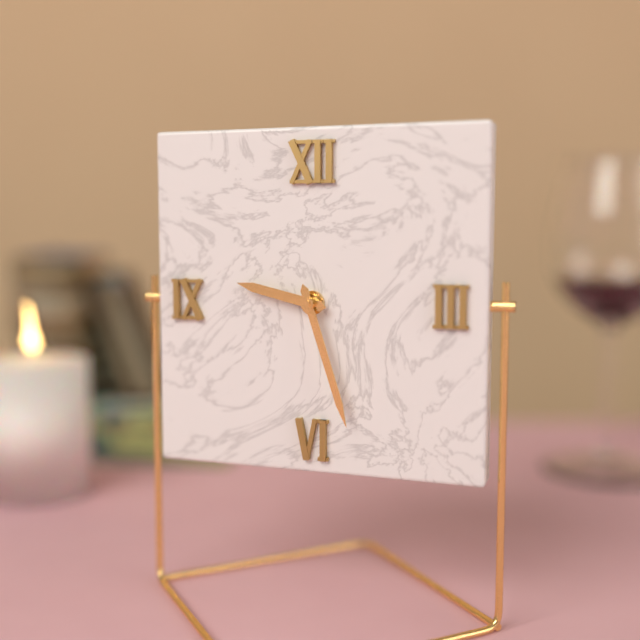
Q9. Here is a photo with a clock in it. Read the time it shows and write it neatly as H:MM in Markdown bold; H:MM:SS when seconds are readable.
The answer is **9:27**
